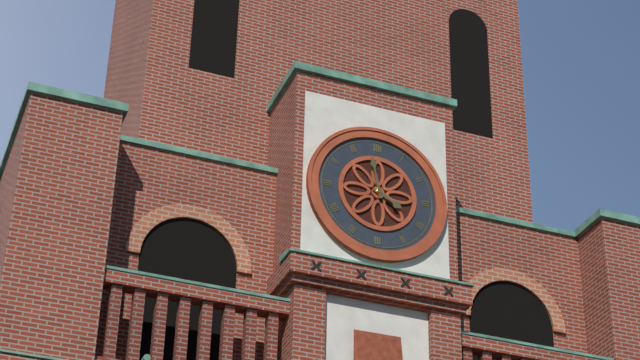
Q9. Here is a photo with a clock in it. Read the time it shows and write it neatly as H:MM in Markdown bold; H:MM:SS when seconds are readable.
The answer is **3:58**
